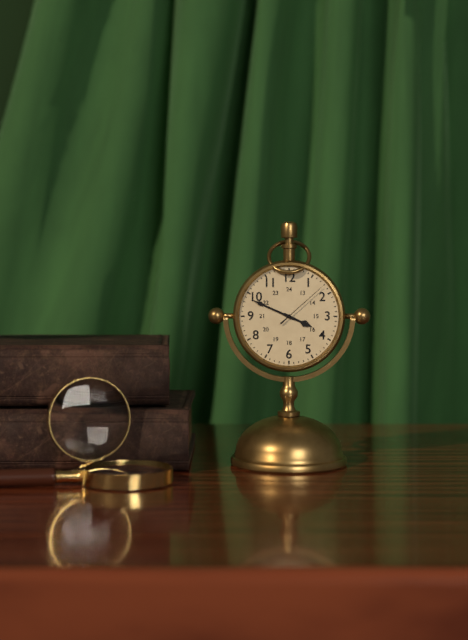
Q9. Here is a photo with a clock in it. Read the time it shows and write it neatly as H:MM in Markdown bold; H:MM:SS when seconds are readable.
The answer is **3:49:08**
